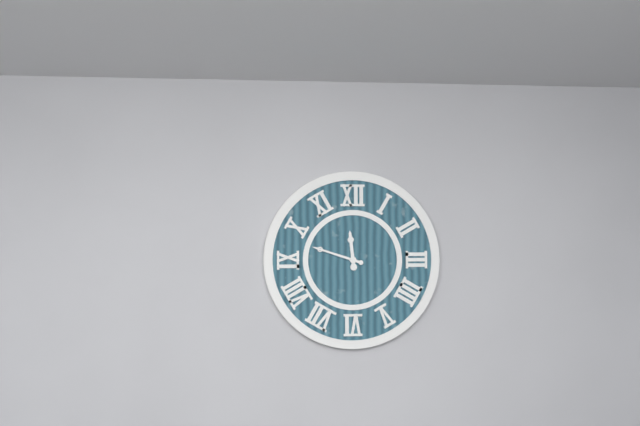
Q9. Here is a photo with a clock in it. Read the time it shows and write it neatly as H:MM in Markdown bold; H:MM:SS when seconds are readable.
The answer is **11:48**
